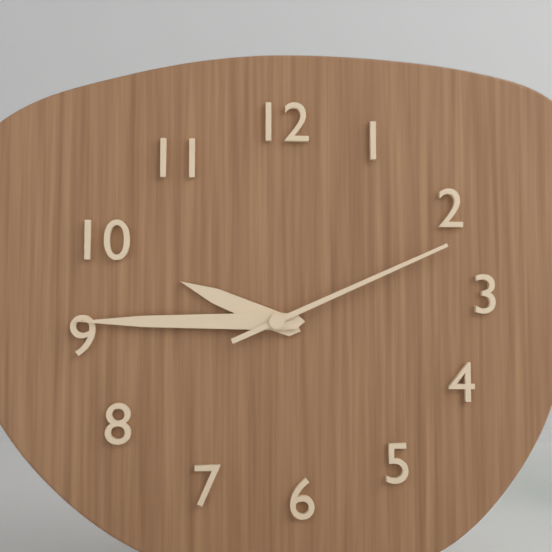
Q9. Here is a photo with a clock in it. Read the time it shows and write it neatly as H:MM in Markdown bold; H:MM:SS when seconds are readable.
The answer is **9:45:11**
